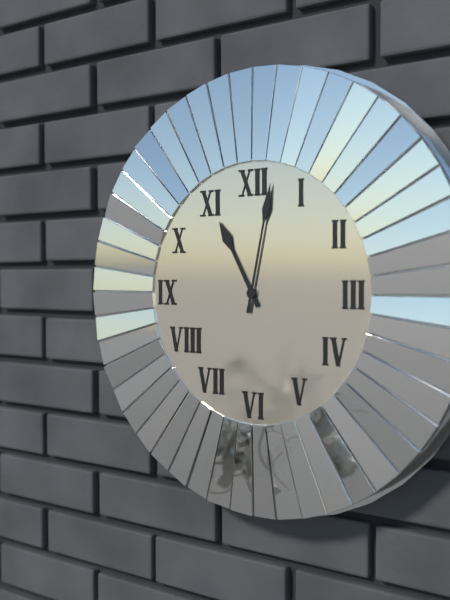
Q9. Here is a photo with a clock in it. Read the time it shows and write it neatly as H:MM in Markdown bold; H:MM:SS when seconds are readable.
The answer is **11:02**
